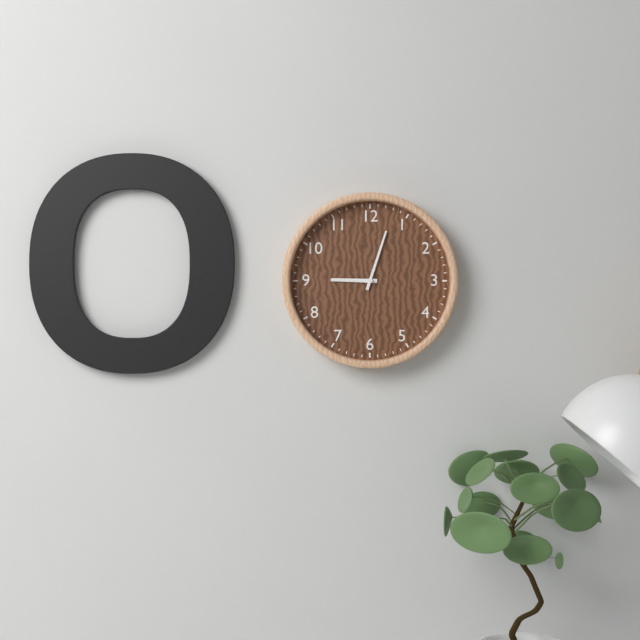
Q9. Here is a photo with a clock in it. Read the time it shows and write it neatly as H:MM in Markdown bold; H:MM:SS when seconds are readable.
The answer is **9:03**
